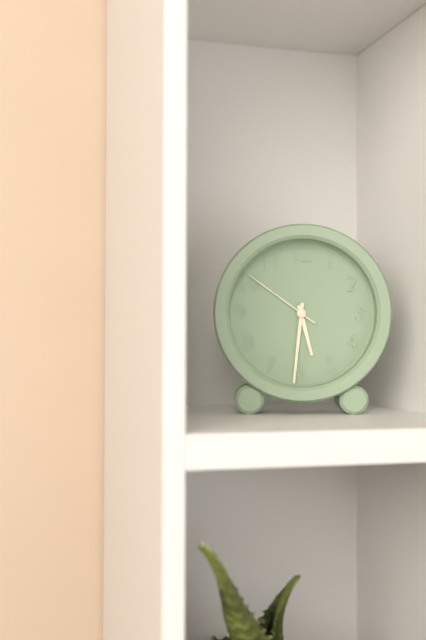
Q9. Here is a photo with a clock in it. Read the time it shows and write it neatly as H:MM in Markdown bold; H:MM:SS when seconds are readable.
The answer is **5:31:51**
